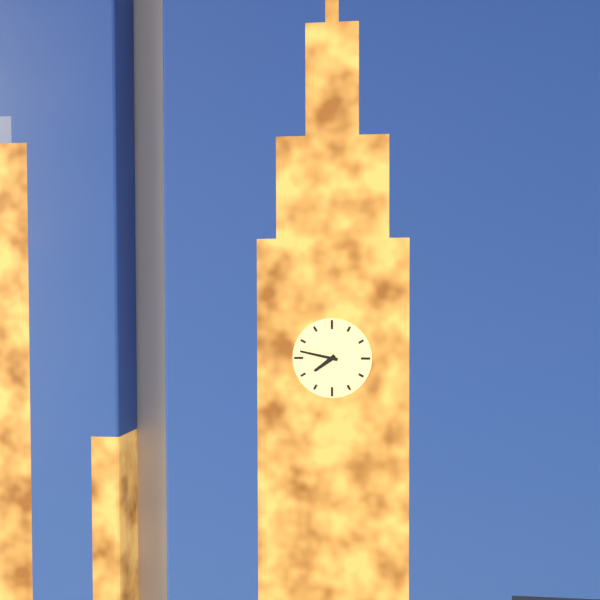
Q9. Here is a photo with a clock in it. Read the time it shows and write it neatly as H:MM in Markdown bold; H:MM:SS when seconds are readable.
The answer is **7:47**
